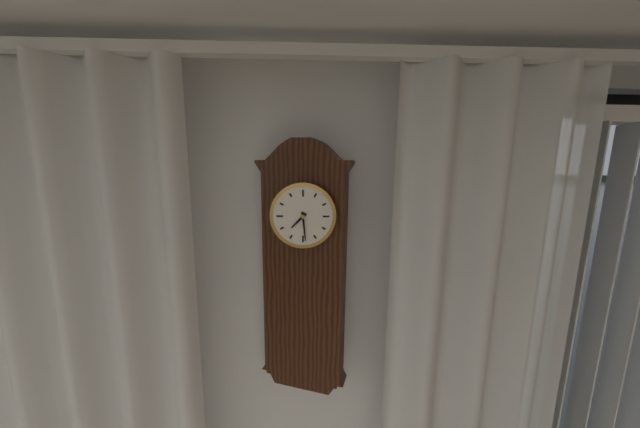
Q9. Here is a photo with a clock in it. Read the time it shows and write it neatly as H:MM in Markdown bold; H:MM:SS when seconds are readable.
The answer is **7:29**
